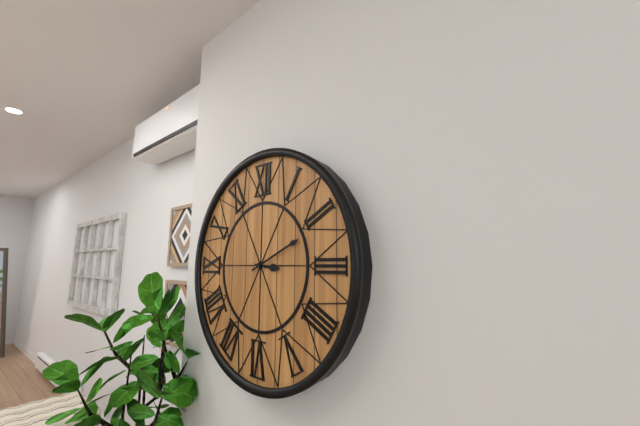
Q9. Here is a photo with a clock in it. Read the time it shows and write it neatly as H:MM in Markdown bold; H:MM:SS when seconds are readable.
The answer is **3:11**
